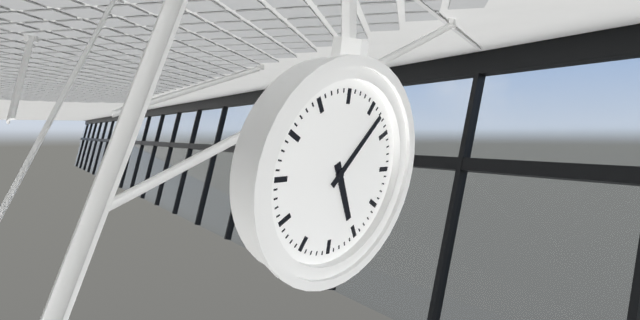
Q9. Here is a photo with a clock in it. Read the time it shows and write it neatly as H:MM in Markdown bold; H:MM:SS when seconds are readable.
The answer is **5:07**
